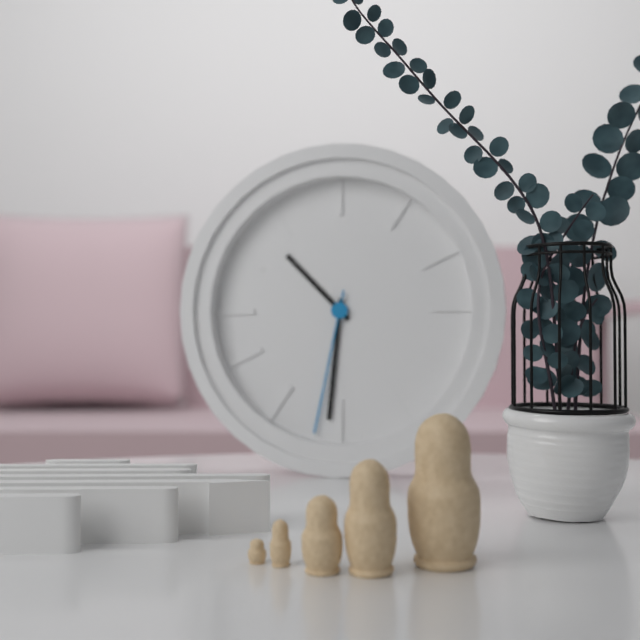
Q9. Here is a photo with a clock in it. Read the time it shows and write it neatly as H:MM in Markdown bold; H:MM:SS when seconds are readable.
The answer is **10:31:32**
